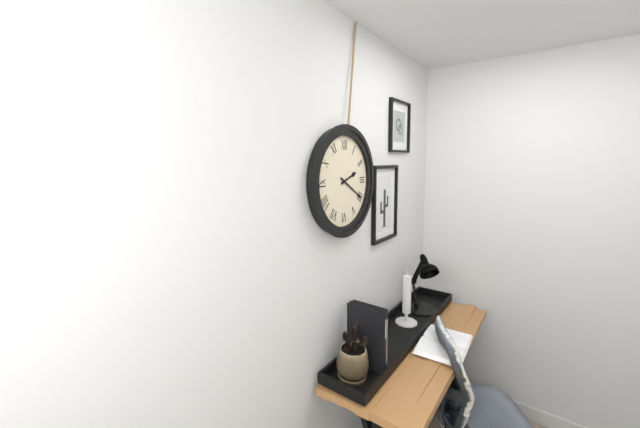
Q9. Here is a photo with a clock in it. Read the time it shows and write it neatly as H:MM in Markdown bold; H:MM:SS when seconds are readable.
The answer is **2:20**
